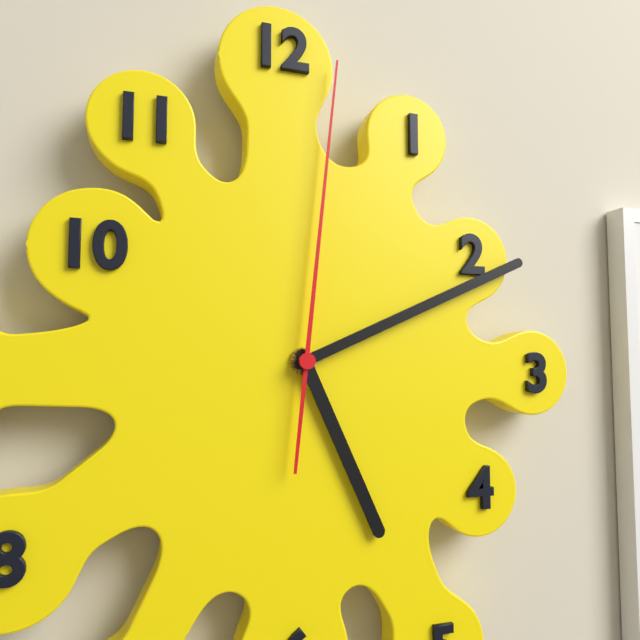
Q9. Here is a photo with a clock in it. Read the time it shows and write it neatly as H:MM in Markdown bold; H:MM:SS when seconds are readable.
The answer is **5:11:01**
